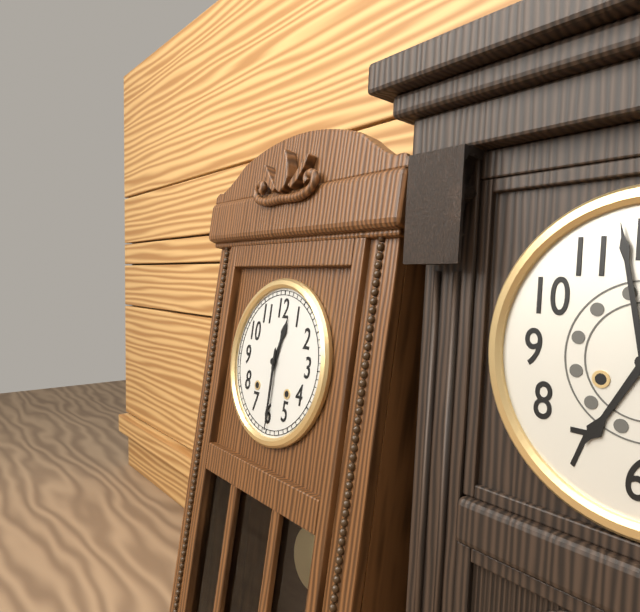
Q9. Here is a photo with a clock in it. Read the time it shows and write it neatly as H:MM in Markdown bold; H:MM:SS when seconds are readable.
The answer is **12:30**
